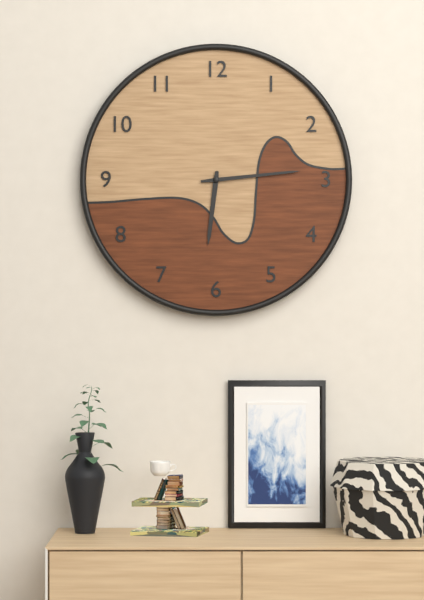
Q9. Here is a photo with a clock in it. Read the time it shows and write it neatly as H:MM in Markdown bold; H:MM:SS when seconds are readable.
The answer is **6:14**
